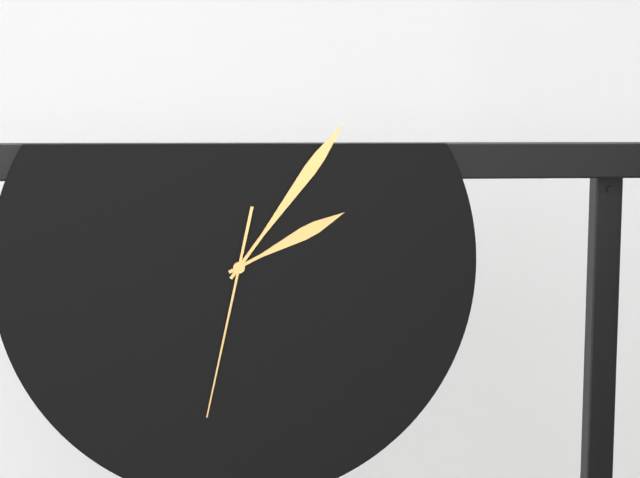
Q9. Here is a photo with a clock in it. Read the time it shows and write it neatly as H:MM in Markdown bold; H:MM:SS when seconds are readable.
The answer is **2:06:32**
